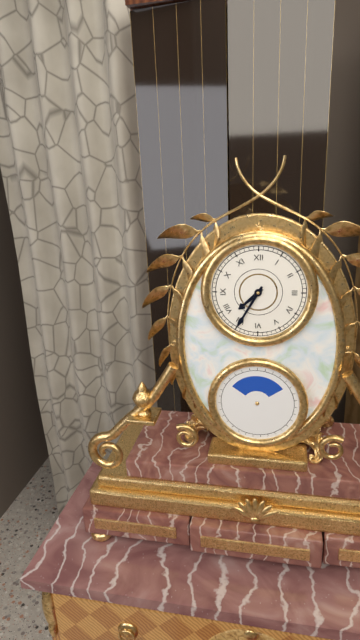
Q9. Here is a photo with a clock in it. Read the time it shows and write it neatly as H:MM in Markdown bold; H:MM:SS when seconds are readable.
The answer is **7:35**
